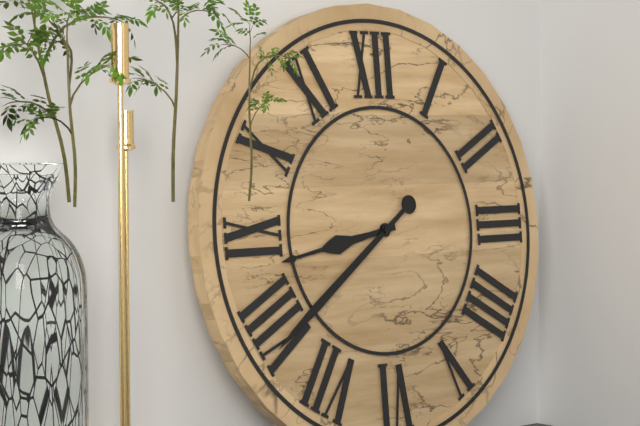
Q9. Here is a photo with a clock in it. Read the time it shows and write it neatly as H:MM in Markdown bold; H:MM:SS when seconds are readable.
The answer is **8:39**
